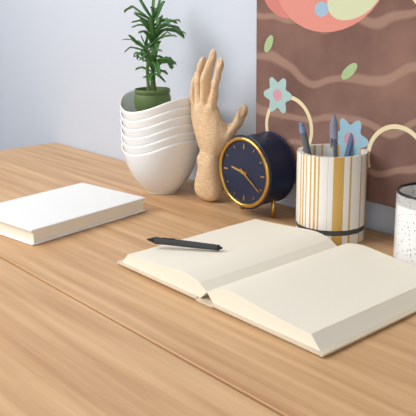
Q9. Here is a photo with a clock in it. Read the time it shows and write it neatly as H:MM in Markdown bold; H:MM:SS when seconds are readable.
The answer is **9:21**
